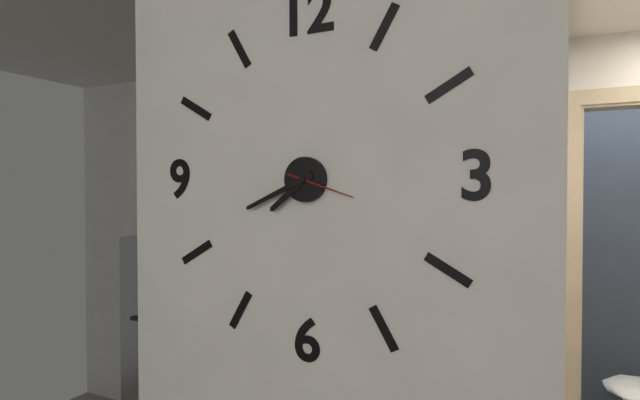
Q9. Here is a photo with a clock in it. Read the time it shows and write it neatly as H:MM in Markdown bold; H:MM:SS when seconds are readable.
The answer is **7:41:18**
